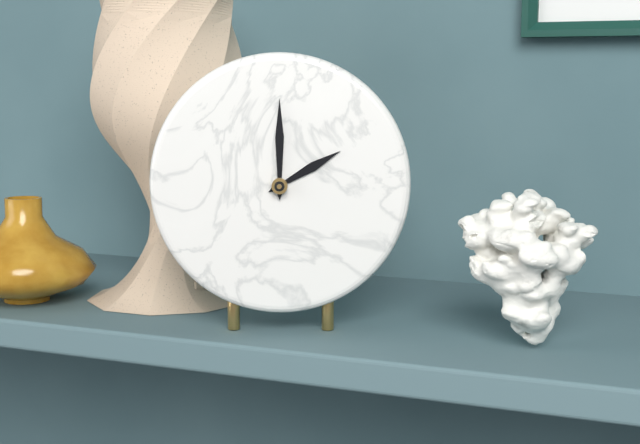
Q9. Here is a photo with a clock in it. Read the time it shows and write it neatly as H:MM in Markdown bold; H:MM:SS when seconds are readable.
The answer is **2:00**
